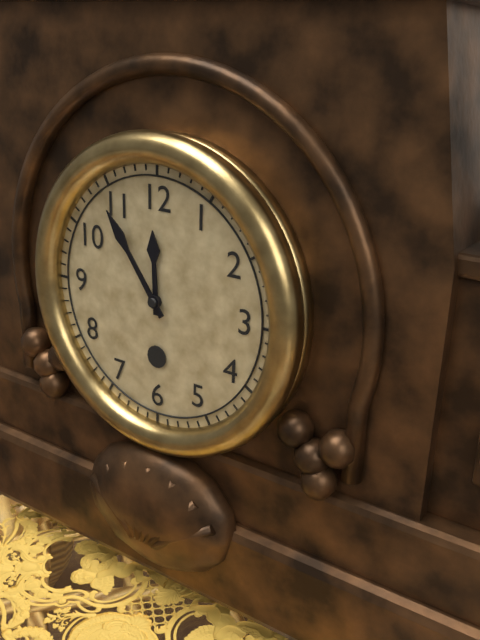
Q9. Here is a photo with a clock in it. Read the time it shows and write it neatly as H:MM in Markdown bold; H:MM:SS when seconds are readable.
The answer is **11:54**
